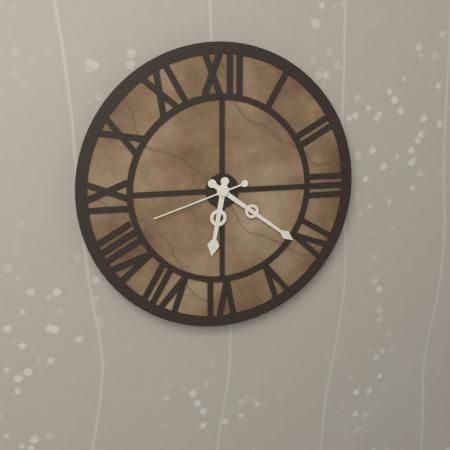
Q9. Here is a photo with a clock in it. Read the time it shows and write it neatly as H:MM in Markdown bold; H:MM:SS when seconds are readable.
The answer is **6:21:42**
